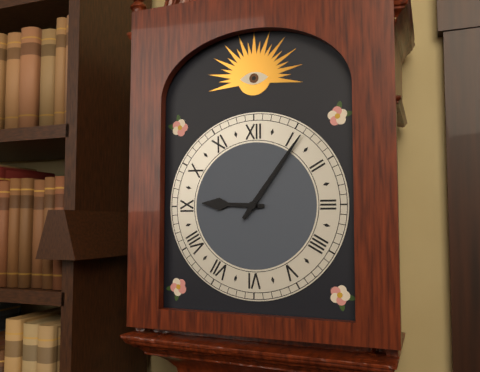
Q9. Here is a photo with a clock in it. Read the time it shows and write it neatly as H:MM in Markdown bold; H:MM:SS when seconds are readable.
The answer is **9:06**
